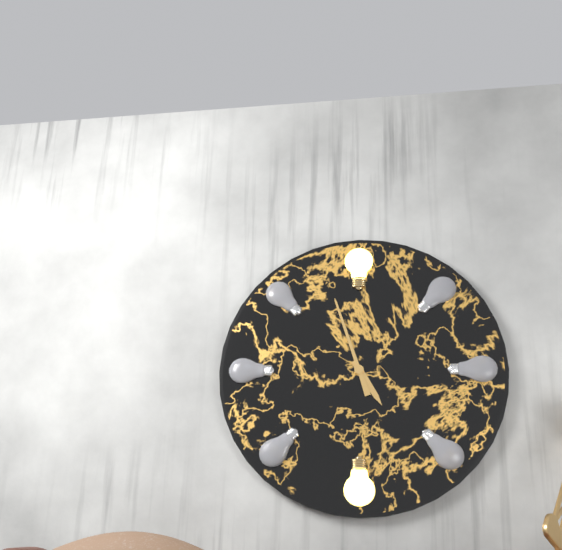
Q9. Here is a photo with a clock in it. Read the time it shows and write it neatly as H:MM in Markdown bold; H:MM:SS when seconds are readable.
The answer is **4:57**
